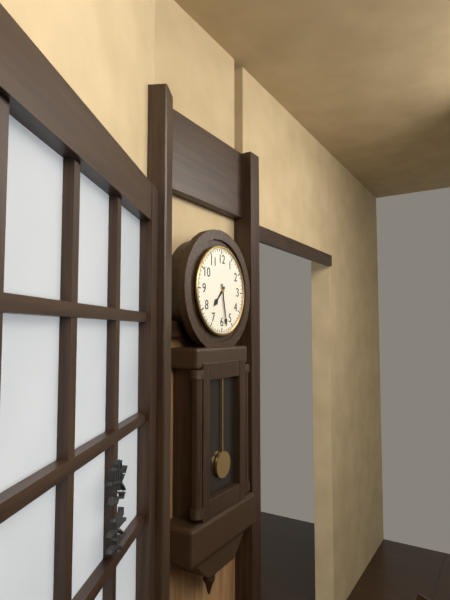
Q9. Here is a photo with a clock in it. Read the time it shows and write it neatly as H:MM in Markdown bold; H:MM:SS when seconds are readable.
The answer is **7:28**
